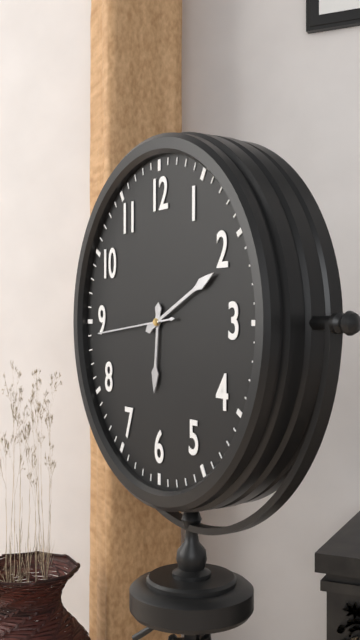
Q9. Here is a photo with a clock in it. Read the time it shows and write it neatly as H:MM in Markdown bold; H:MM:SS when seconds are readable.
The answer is **6:11:44**
